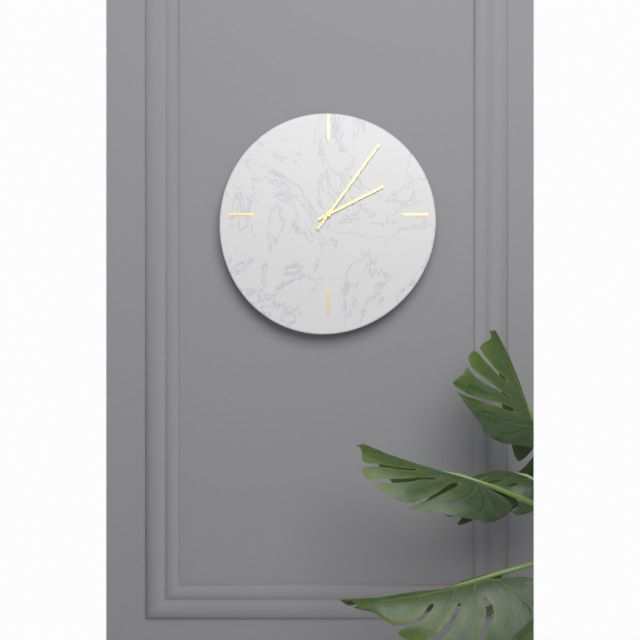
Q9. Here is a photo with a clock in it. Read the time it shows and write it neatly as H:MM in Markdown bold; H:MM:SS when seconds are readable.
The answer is **2:06**
